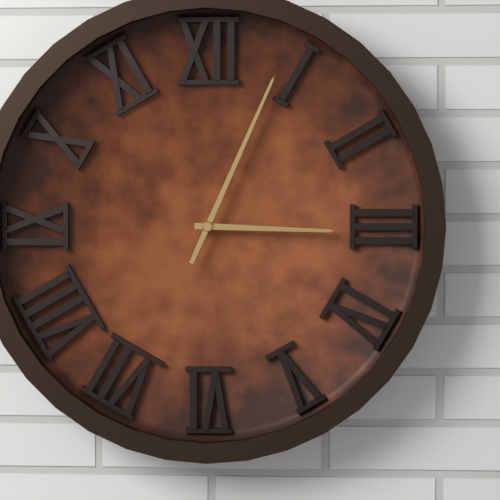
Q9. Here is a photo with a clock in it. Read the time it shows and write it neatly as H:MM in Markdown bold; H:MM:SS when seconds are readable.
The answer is **3:04**
